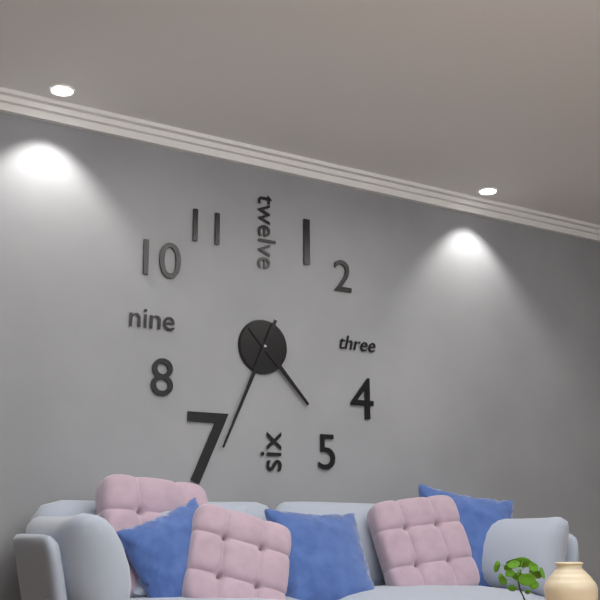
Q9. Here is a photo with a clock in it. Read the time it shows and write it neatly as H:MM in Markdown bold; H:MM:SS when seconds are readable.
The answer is **4:34**
